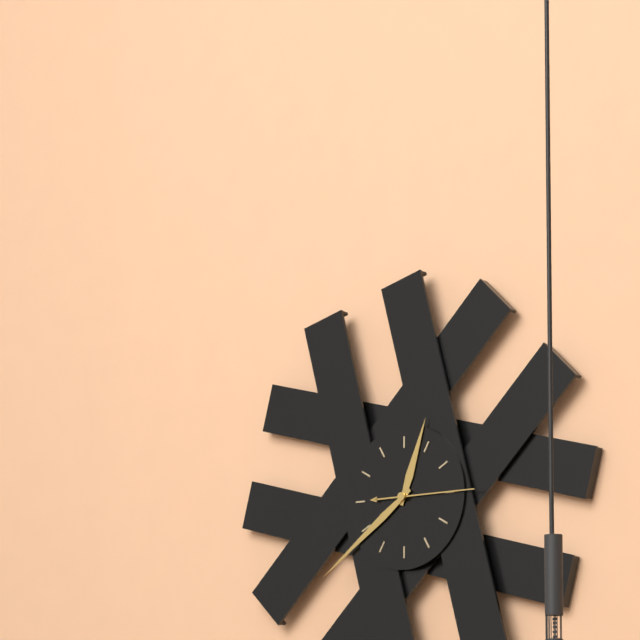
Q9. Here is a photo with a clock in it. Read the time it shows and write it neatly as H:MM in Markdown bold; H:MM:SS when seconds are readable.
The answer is **12:39:15**
